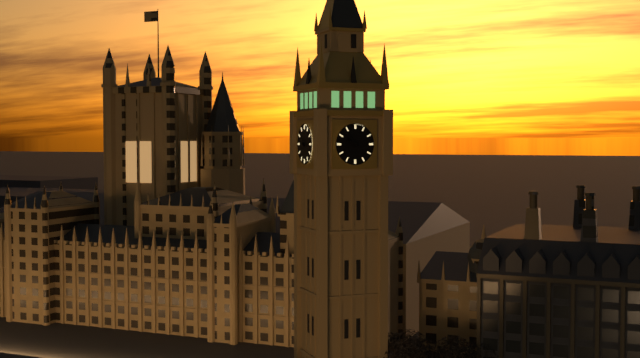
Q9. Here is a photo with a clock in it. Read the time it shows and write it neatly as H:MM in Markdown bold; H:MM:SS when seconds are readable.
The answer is **9:53**
